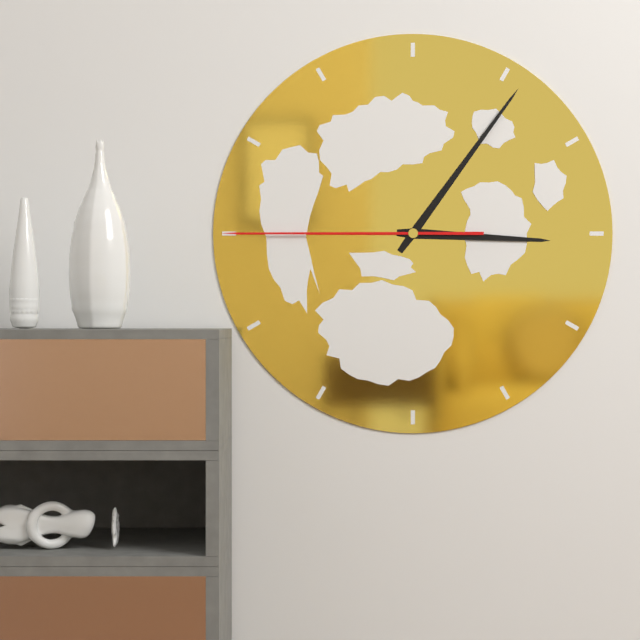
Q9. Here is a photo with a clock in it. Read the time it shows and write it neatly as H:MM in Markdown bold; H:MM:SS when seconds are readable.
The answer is **3:06:45**
